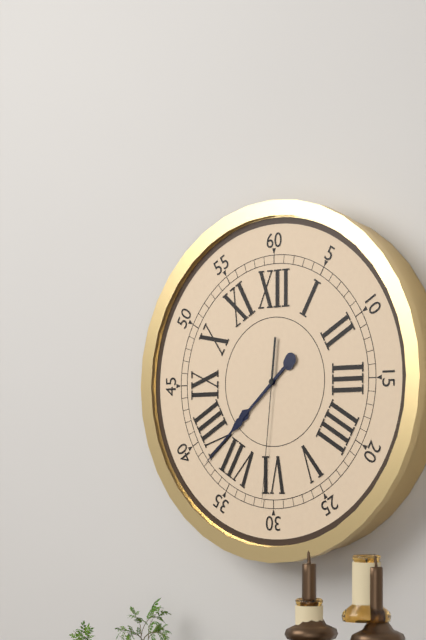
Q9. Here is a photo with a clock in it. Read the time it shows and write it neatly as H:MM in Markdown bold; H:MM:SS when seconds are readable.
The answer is **7:38:31**
